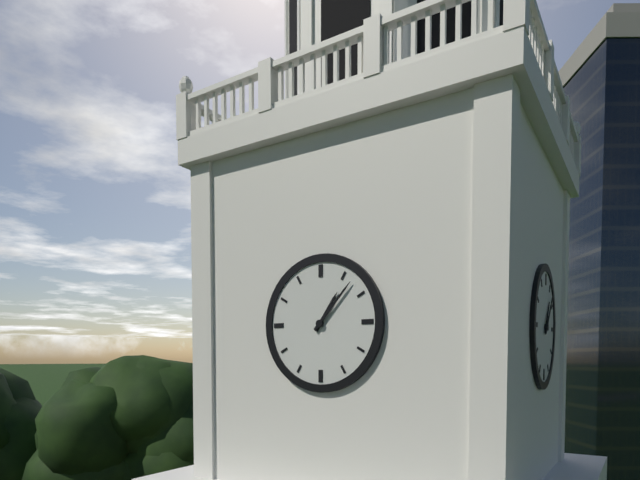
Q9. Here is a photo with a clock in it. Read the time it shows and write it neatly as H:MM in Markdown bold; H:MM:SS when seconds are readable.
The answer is **1:07**
